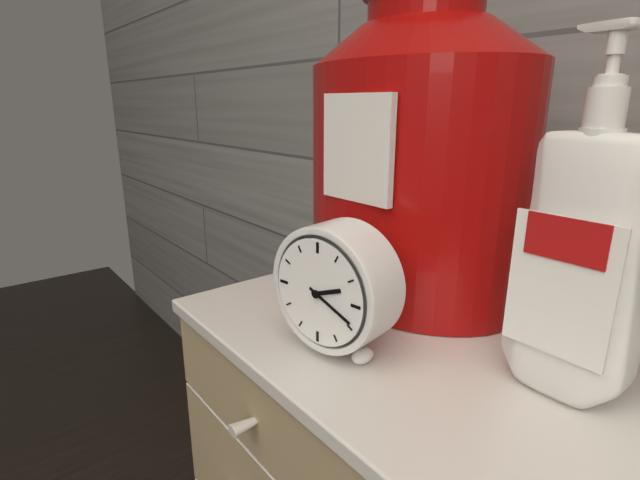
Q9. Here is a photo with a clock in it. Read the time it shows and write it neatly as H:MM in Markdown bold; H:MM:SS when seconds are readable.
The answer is **2:19**
